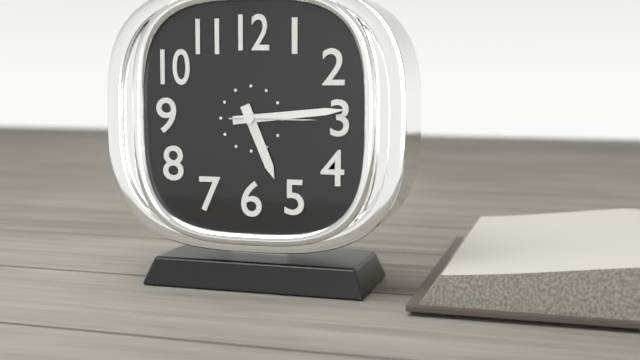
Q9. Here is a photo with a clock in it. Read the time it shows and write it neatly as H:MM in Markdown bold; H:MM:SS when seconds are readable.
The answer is **5:14:15**
